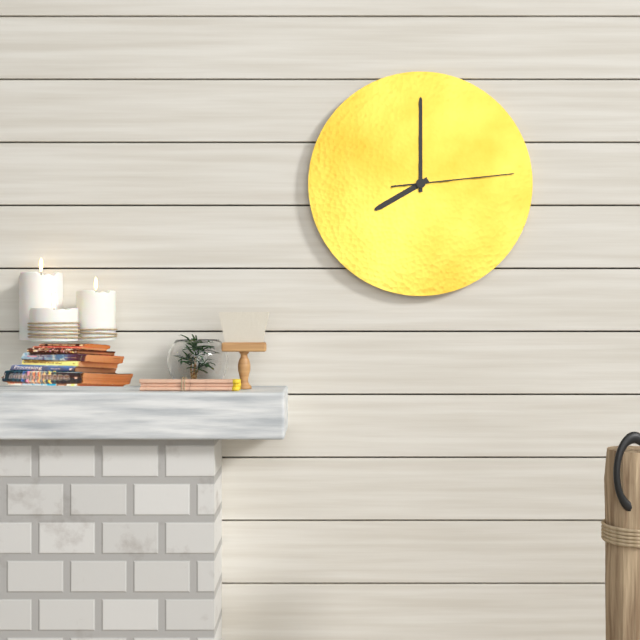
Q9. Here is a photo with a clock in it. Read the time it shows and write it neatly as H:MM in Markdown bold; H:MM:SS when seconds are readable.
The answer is **8:00:14**
